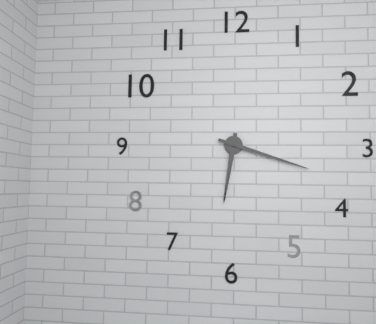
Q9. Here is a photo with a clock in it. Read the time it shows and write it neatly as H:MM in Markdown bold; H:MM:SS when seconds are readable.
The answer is **6:18**
